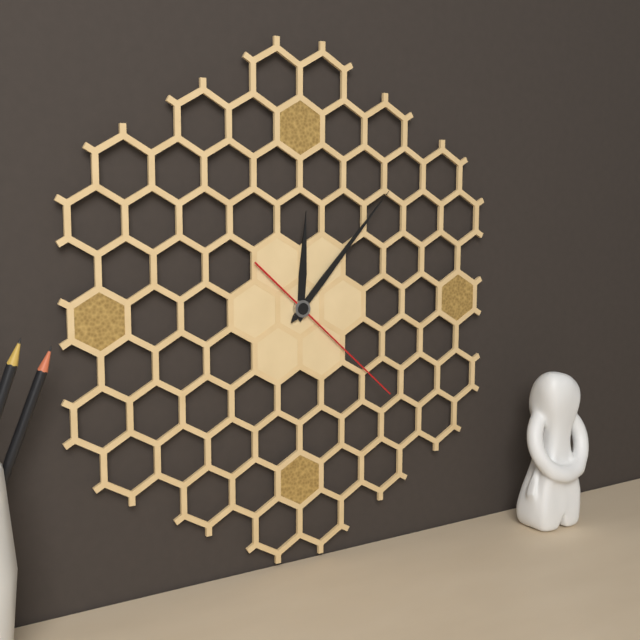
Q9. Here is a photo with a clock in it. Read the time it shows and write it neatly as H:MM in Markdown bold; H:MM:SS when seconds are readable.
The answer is **12:07:22**
